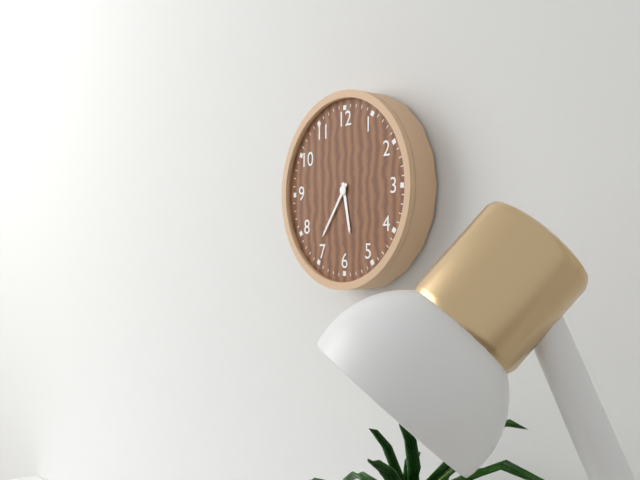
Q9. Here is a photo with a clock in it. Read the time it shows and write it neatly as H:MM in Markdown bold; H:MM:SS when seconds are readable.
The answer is **5:36**
